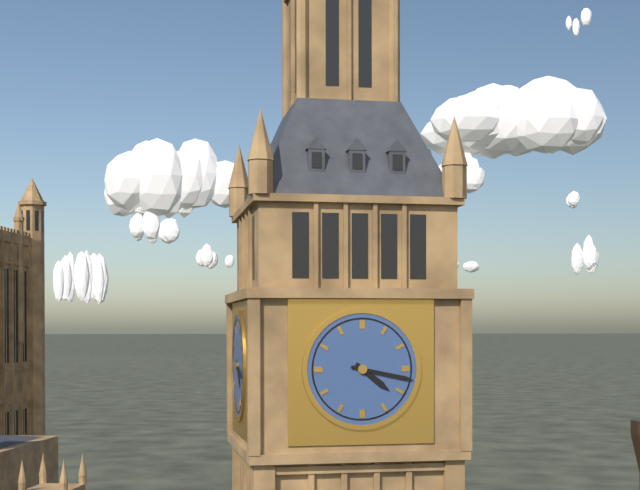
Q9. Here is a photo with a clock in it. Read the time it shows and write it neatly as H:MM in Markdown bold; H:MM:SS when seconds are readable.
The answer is **4:17**
